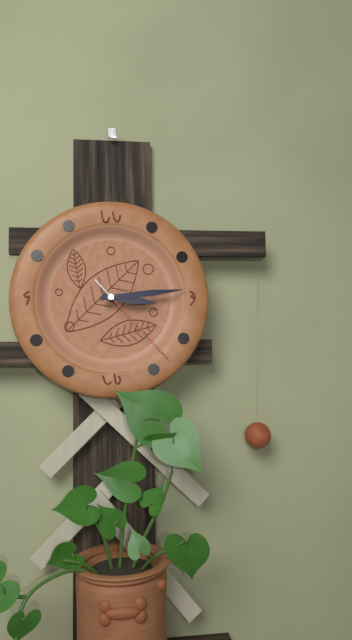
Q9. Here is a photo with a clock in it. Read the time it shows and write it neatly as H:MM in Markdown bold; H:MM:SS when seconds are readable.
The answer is **3:14:23**
